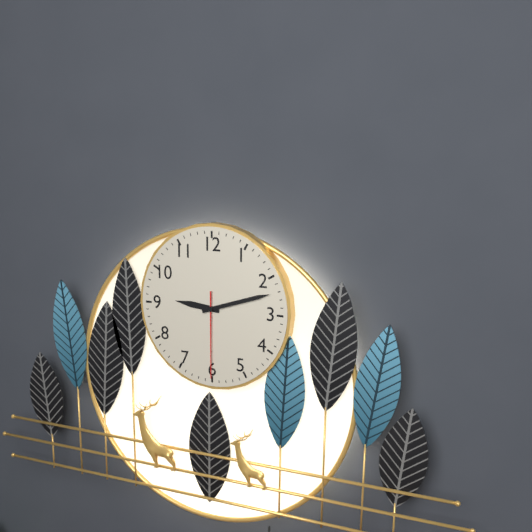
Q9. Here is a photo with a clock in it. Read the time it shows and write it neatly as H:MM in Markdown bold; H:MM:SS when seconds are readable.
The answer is **9:12:30**
